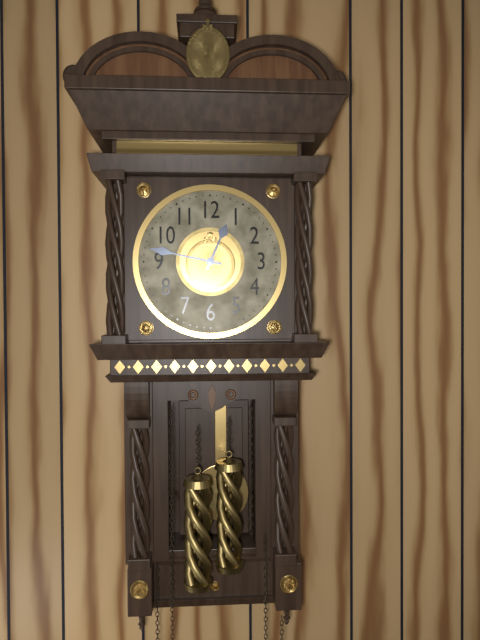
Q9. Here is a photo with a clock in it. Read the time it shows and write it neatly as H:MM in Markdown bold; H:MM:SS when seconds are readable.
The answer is **12:47**
